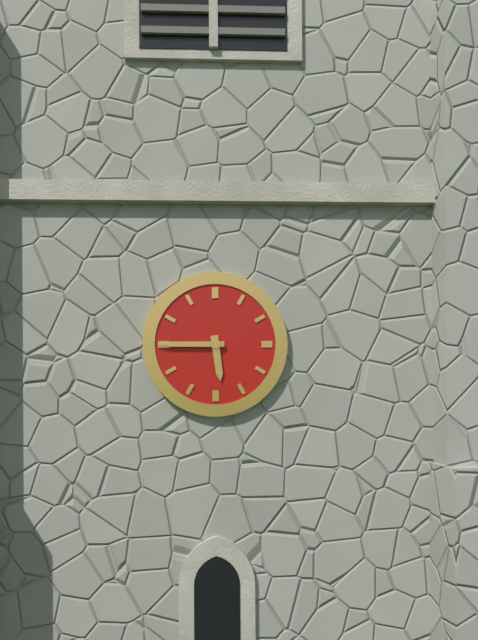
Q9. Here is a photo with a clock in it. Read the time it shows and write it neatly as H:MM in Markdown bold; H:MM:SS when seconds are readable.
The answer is **5:45**
